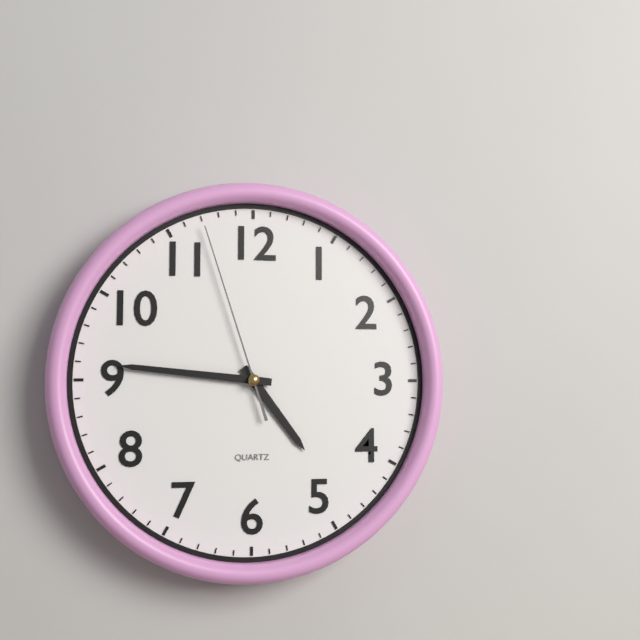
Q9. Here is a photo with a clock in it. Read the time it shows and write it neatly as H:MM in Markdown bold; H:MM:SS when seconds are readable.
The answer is **4:46:57**
